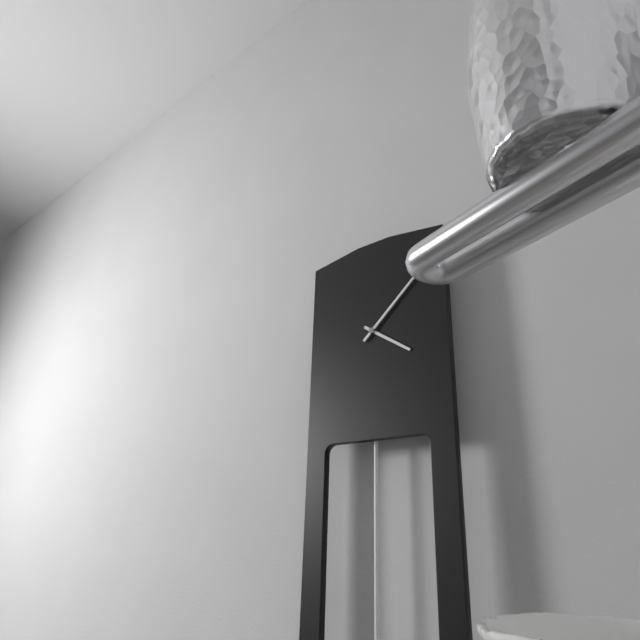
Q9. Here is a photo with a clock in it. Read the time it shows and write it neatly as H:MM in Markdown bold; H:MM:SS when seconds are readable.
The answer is **4:08**
